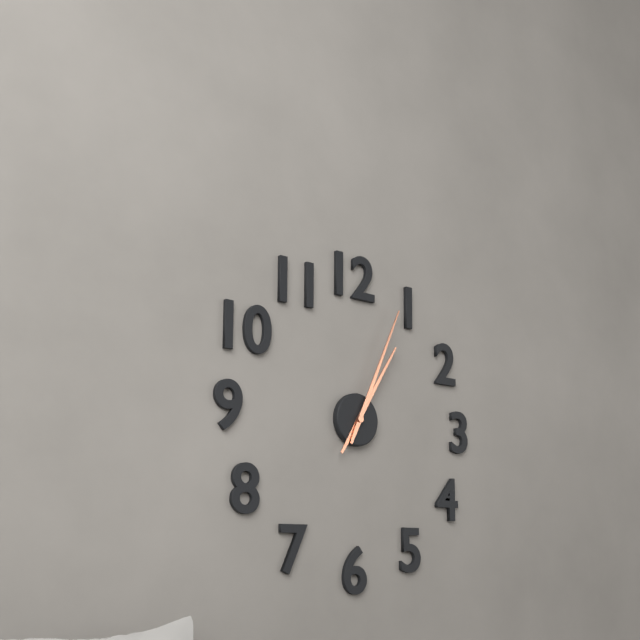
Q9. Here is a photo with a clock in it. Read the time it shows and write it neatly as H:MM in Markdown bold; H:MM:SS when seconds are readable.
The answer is **1:04**
